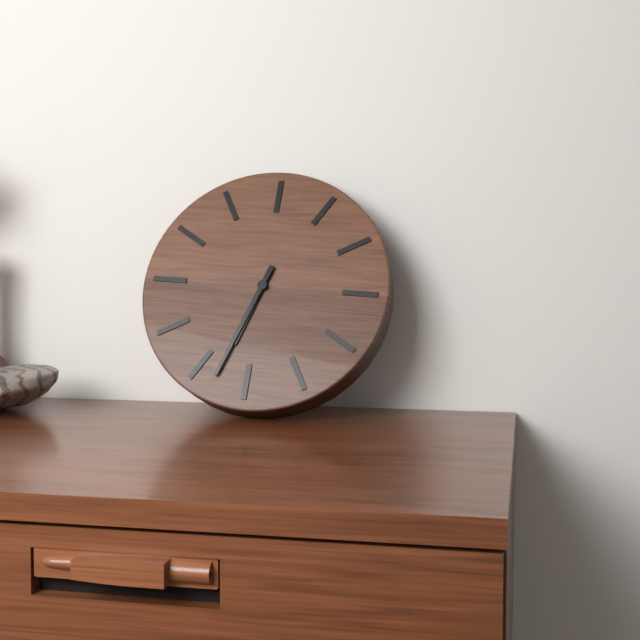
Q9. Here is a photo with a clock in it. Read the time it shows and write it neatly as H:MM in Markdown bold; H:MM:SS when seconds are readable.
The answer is **6:33**
